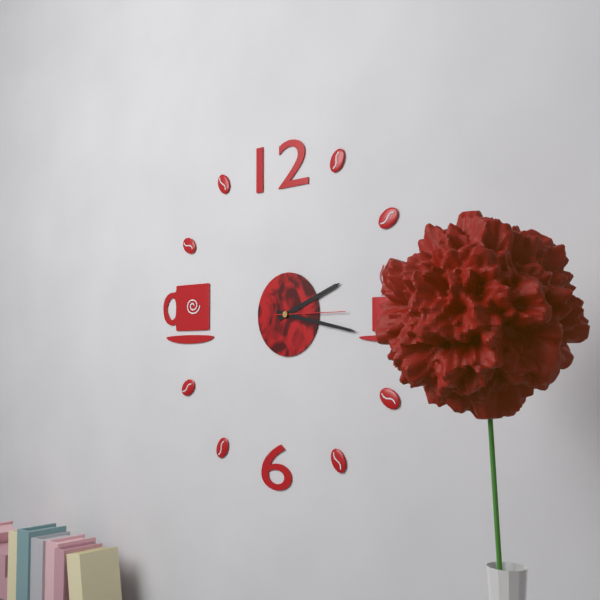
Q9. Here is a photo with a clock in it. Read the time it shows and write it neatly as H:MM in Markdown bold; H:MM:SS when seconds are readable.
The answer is **2:17:15**
